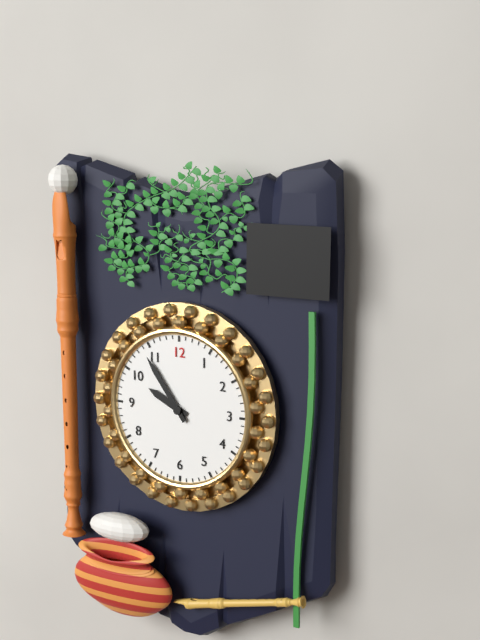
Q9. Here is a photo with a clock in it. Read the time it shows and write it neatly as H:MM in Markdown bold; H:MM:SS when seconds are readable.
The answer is **9:54**
